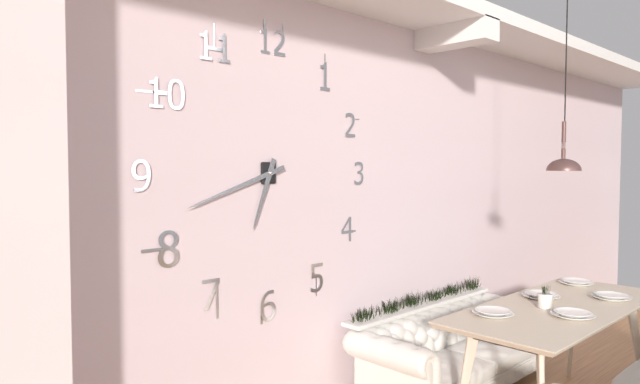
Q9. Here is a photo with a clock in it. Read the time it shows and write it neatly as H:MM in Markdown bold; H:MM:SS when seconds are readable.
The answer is **6:42**
